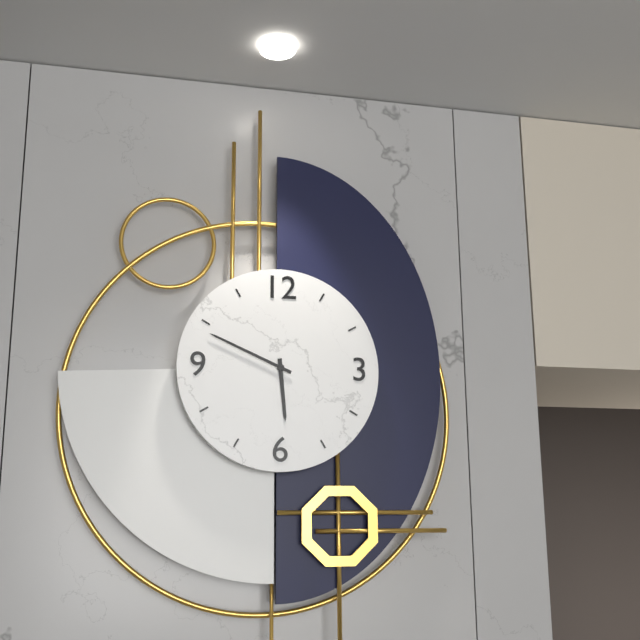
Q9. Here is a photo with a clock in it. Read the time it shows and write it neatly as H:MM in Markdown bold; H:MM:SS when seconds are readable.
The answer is **5:49**
